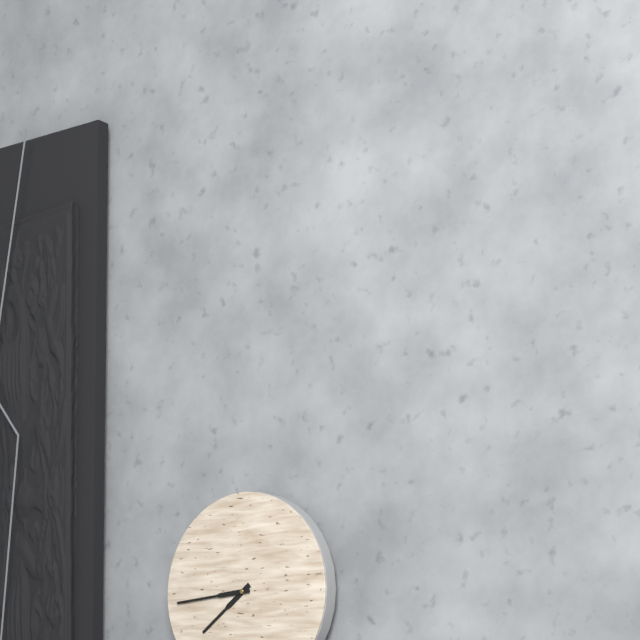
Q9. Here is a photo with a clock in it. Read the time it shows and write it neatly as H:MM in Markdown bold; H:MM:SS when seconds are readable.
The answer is **7:44**
